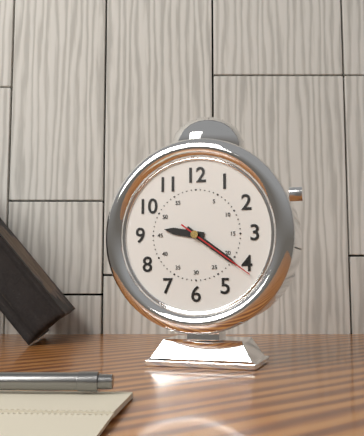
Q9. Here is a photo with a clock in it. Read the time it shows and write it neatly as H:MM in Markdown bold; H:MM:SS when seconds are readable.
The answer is **9:21:21**
